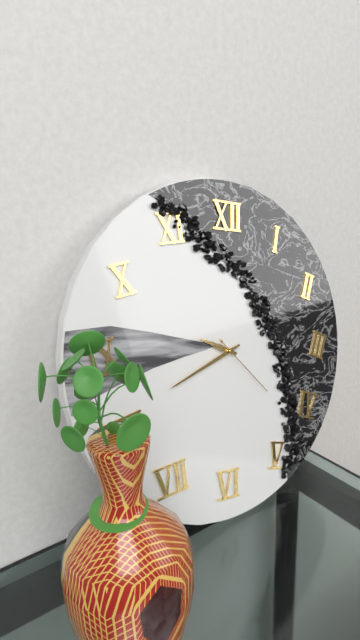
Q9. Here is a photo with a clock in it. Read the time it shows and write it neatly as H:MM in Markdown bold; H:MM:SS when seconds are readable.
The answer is **9:41:22**
